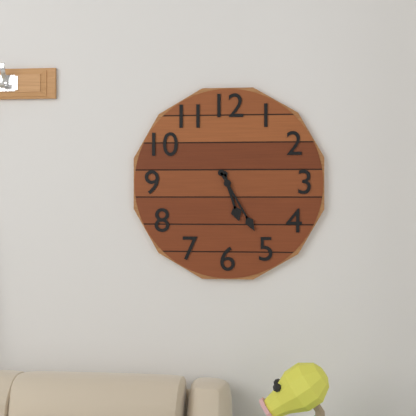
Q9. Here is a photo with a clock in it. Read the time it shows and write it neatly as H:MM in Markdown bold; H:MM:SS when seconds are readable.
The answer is **5:25**
